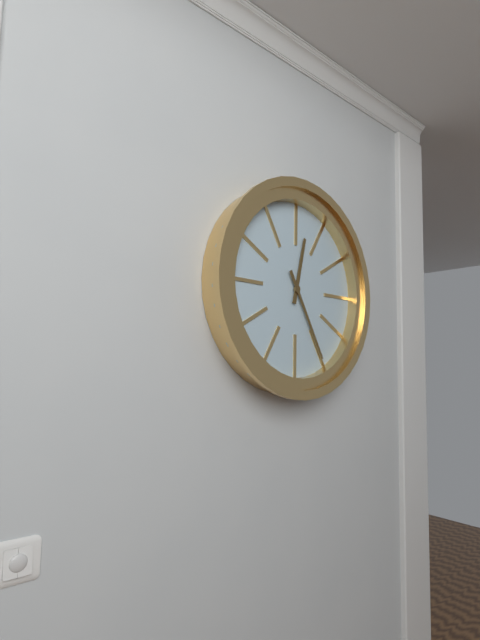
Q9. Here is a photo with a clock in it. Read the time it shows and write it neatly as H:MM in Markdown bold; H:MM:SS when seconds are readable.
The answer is **12:25**
